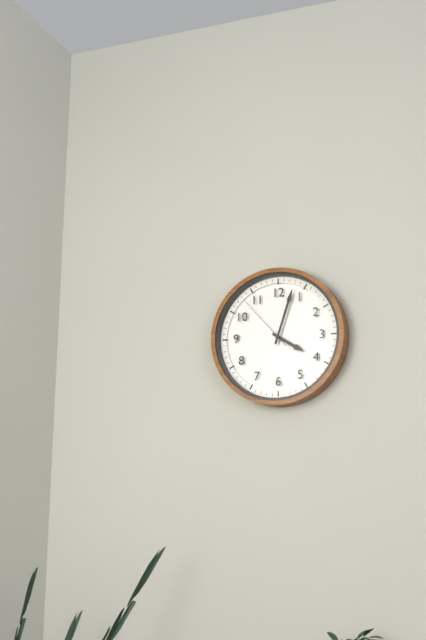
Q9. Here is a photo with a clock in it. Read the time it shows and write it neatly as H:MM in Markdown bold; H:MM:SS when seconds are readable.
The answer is **4:03:53**
